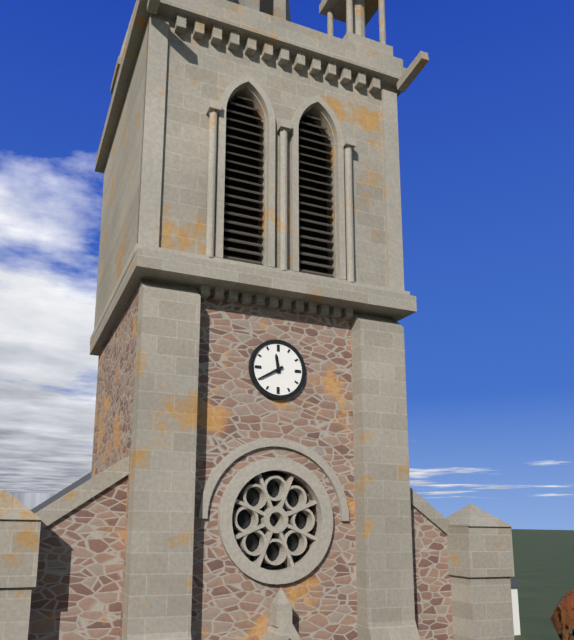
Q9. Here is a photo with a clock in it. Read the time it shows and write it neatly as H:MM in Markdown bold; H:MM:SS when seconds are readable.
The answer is **11:40**
